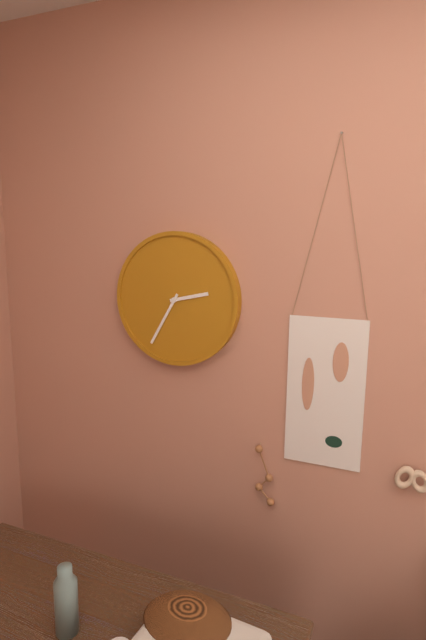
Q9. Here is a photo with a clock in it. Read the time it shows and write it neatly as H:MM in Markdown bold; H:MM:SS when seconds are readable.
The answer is **2:35**
